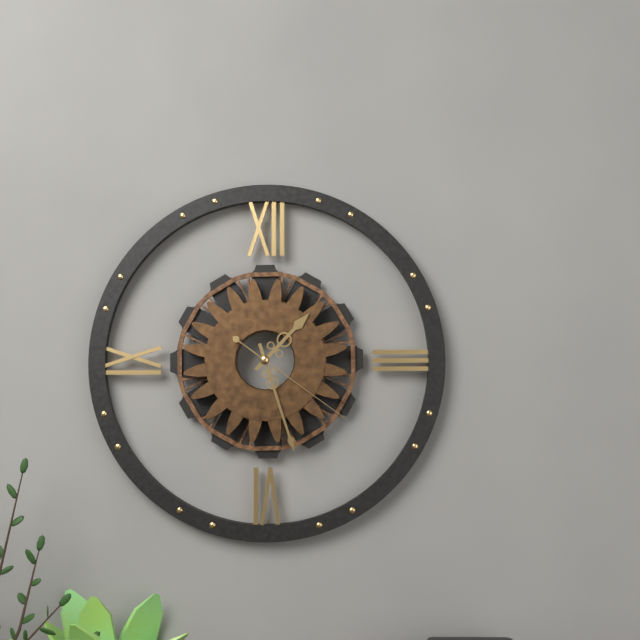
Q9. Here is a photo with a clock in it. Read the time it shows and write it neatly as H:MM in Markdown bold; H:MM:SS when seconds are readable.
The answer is **1:27:21**
